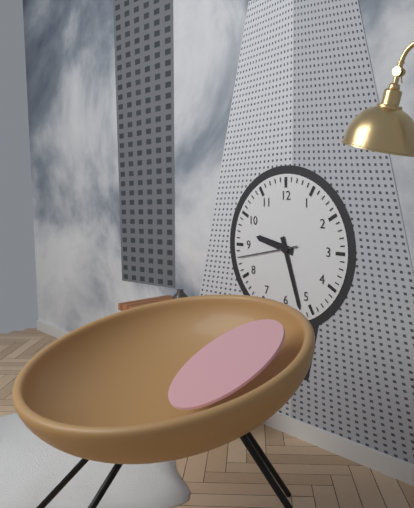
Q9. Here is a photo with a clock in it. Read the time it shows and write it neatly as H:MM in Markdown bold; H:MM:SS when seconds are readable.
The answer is **9:27:43**
